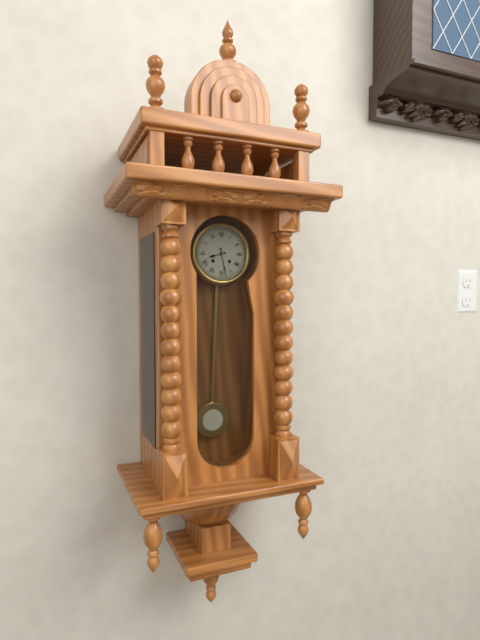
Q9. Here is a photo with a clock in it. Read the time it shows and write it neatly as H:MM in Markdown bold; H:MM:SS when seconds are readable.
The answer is **8:28**
